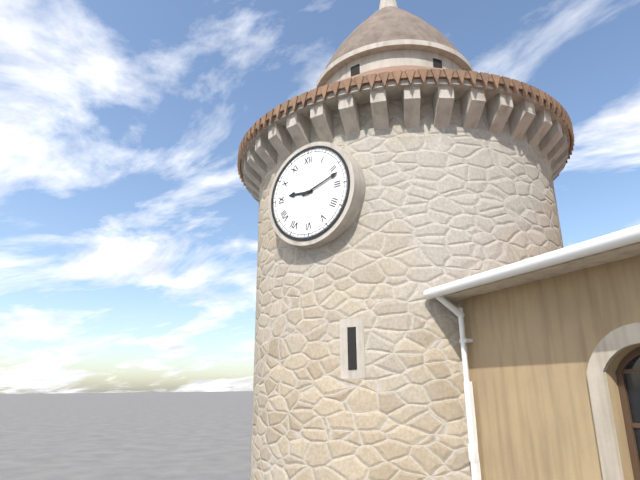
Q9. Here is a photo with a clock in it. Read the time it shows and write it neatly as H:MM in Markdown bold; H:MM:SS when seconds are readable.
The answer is **9:12**
